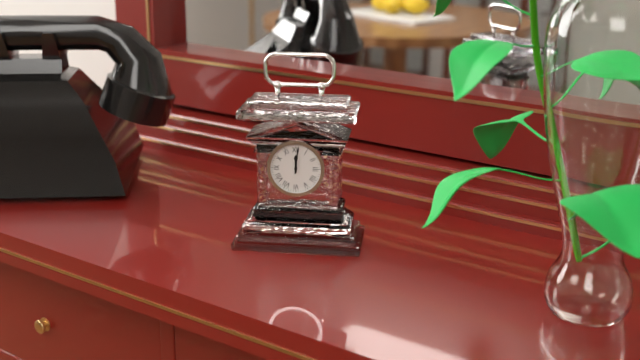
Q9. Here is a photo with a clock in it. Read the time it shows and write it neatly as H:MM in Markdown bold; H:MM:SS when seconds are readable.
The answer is **12:01**
